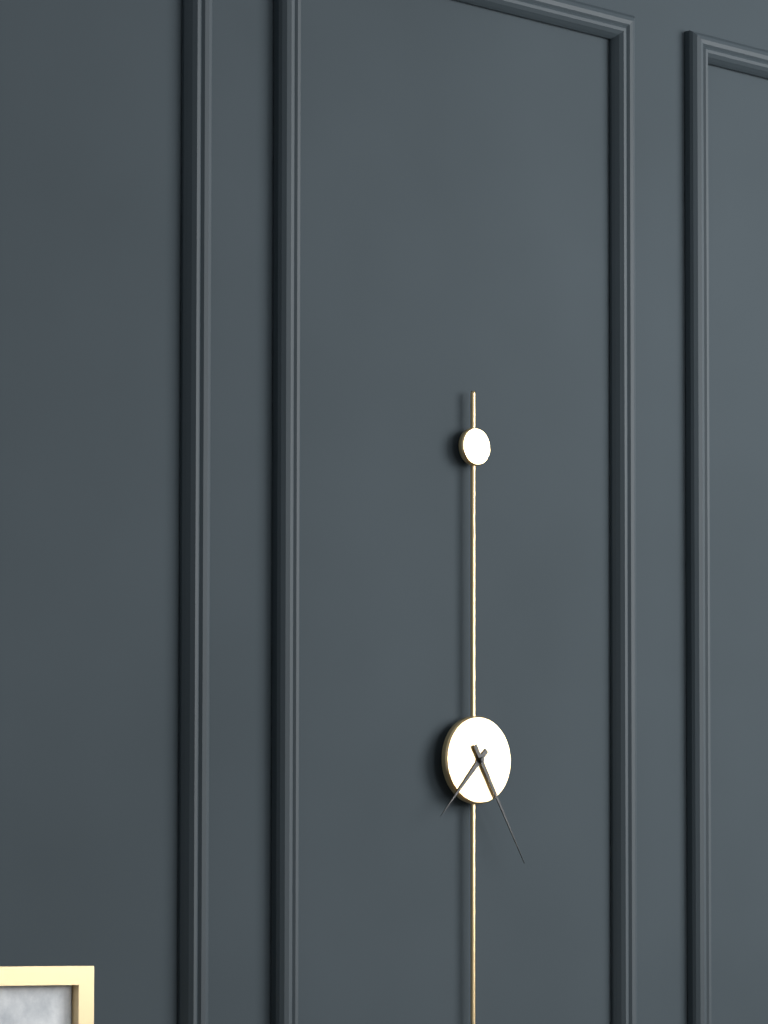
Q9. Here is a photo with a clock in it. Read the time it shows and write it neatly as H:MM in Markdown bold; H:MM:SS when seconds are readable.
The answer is **7:25**
